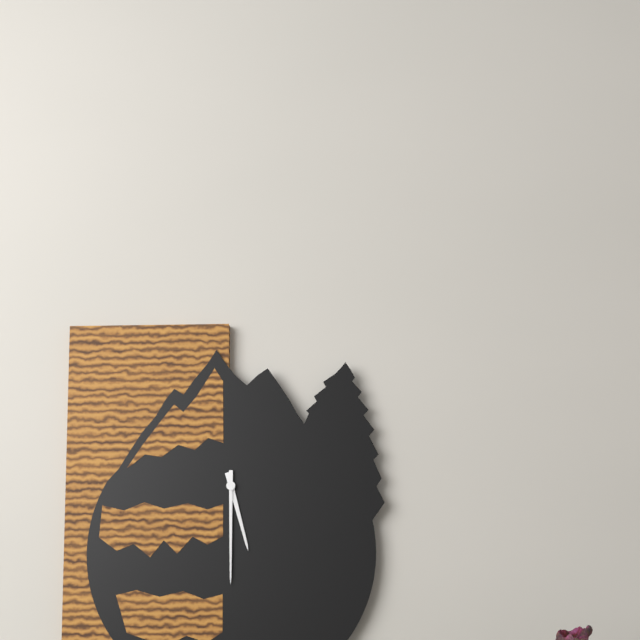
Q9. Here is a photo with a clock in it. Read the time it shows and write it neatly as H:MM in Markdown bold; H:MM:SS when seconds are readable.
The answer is **5:30**
